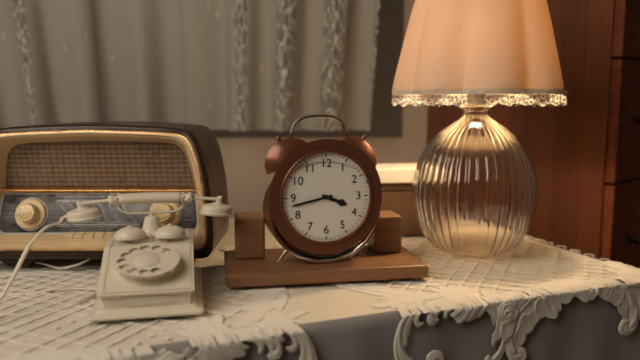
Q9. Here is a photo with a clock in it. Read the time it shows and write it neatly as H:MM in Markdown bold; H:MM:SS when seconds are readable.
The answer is **3:43**
